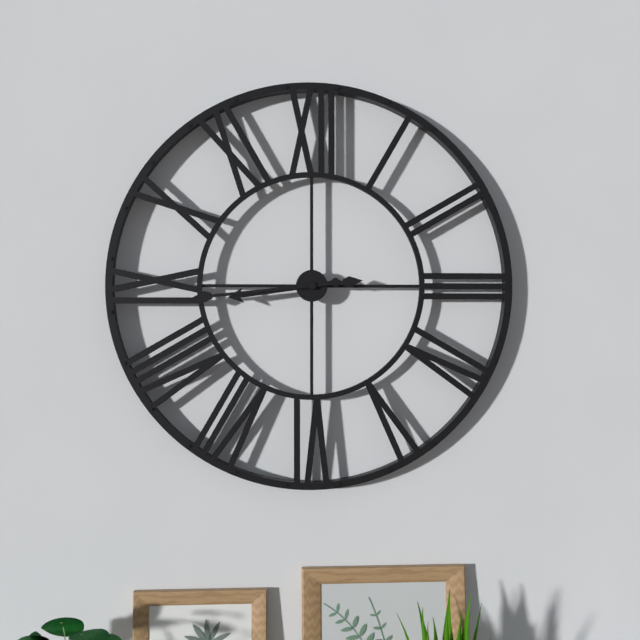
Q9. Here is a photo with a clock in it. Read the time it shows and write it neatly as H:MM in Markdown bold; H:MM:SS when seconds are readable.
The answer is **8:44**
